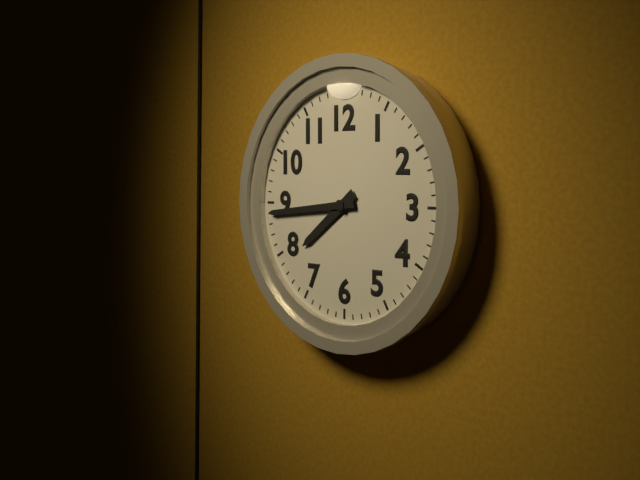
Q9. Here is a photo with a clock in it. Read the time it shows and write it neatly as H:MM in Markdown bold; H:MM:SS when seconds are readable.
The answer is **7:44**
